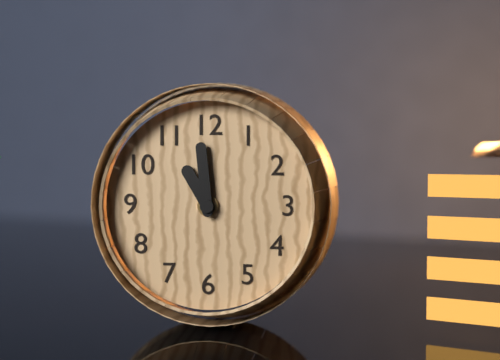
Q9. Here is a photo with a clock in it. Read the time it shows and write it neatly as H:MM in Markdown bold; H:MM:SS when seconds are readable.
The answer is **10:59**
